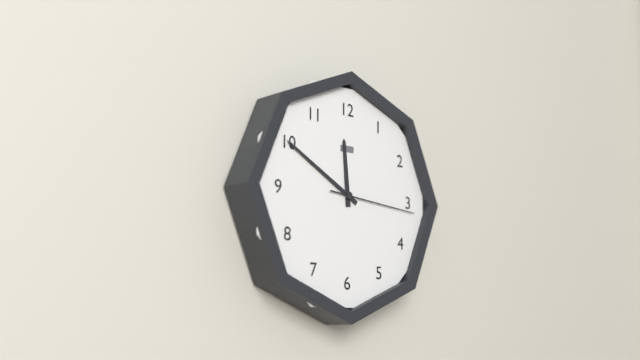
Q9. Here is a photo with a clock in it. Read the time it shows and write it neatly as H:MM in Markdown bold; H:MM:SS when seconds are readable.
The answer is **11:50:16**
